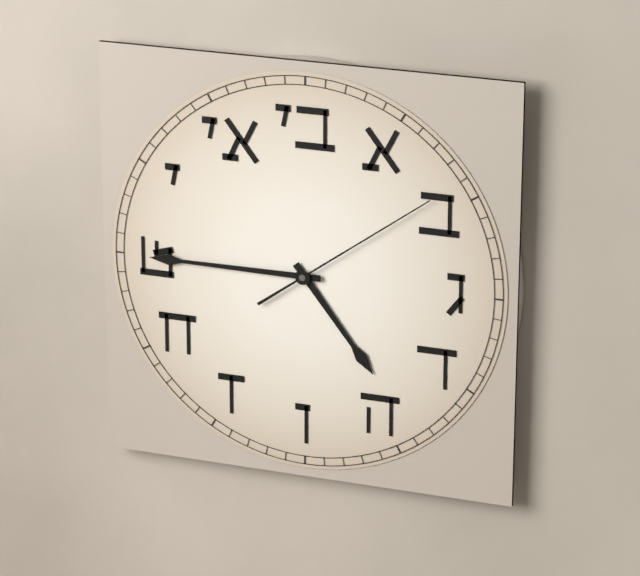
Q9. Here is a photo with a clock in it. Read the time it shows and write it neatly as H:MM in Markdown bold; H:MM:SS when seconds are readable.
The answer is **4:45:09**
